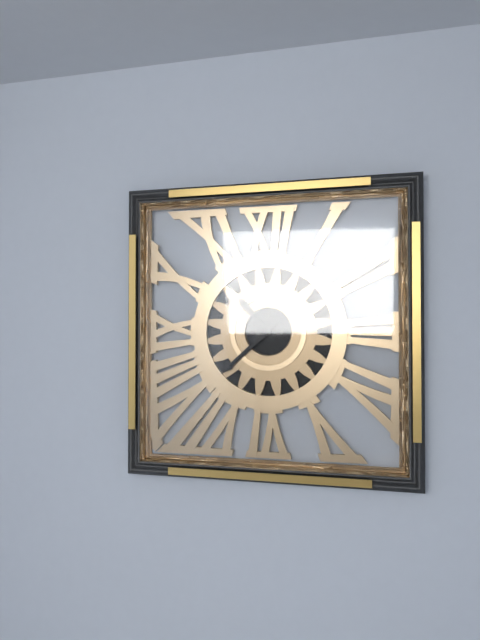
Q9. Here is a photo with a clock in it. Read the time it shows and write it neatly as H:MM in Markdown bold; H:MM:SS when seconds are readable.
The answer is **10:38**
